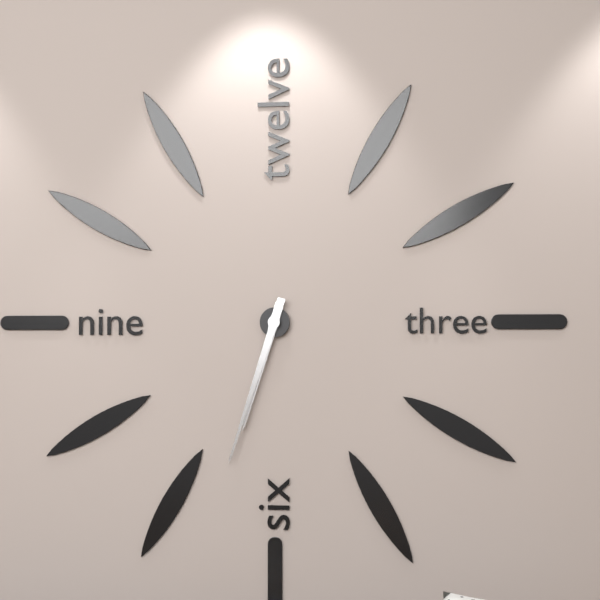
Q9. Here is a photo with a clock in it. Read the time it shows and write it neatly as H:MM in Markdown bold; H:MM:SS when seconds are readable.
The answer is **6:33**
